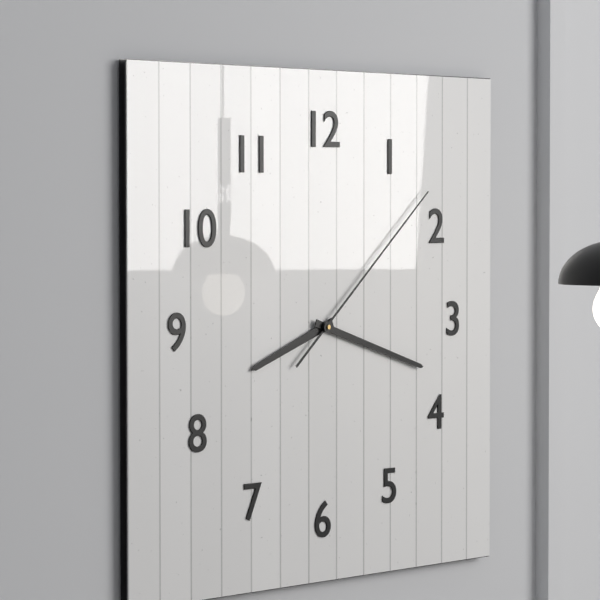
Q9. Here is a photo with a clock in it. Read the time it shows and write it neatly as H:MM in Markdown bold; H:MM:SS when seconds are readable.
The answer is **8:18:08**
